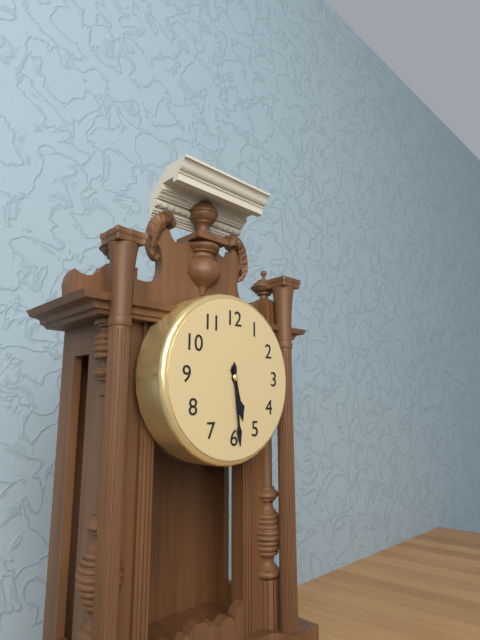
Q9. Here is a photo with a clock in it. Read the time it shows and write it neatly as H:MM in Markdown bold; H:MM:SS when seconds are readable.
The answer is **5:29**
